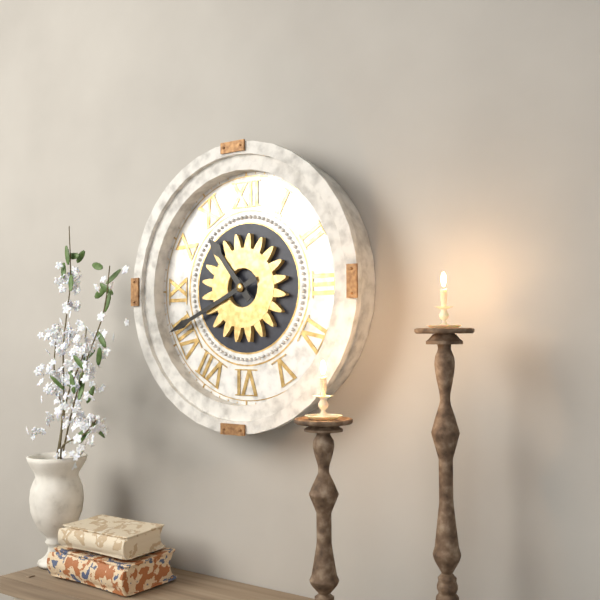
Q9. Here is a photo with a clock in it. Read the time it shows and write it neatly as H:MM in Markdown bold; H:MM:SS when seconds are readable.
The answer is **10:41**
